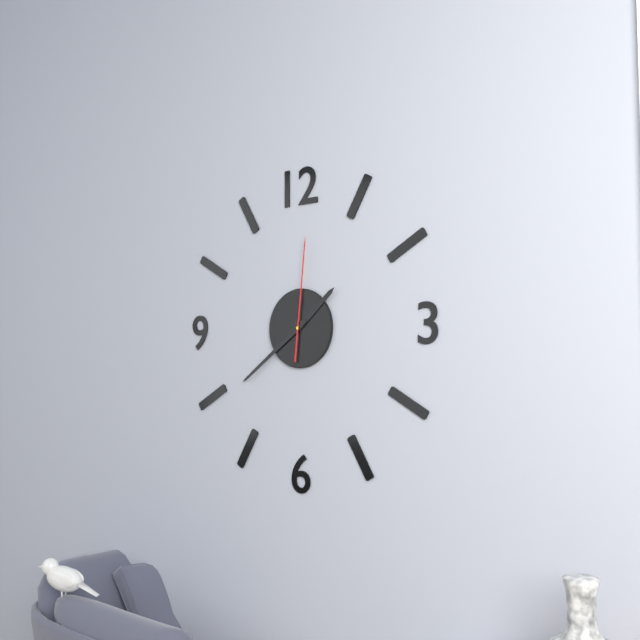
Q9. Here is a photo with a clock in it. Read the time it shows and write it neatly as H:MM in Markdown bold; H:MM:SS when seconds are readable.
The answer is **1:39:01**
